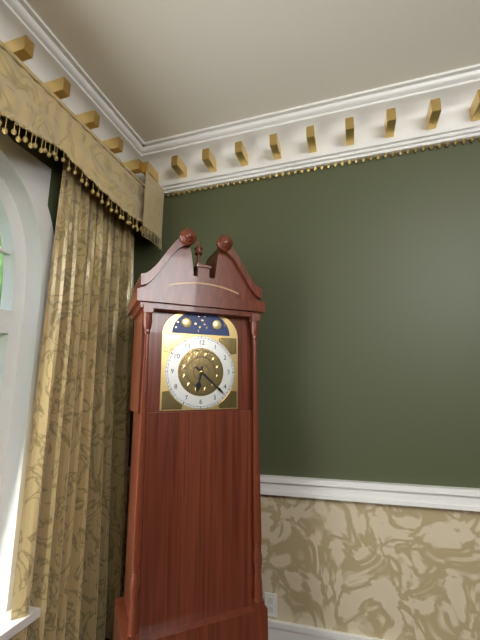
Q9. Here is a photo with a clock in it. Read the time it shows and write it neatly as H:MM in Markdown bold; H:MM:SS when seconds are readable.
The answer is **6:22**
